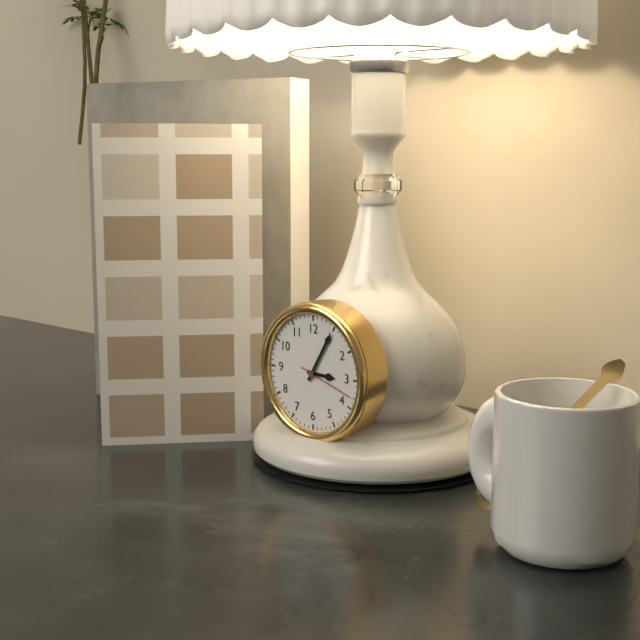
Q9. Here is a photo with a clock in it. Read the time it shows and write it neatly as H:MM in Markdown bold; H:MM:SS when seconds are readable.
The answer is **3:05:18**
